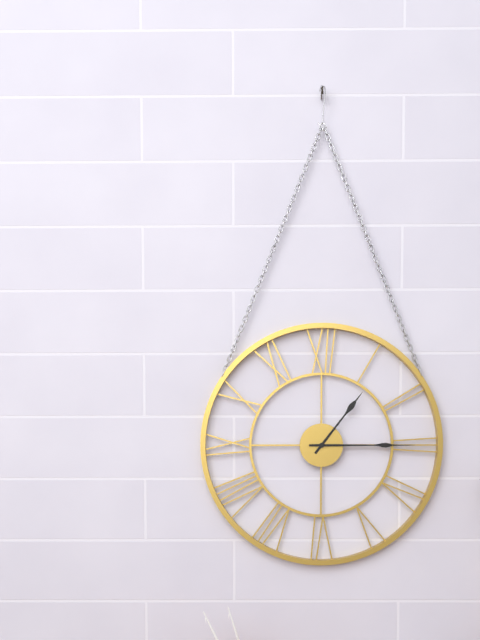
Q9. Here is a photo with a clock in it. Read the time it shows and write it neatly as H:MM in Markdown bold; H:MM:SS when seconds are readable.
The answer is **1:15**
